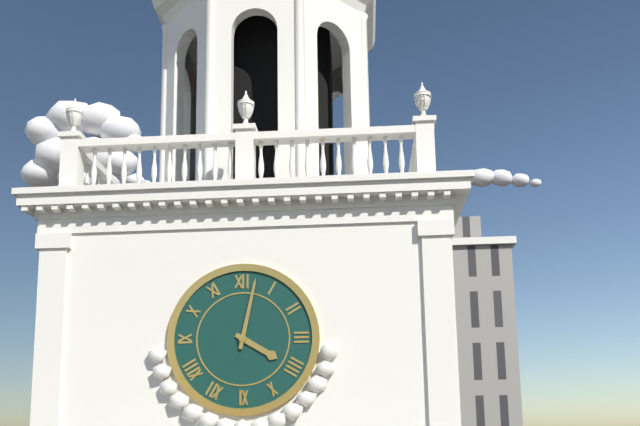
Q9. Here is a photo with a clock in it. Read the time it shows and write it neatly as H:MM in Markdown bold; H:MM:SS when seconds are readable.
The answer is **4:02**
